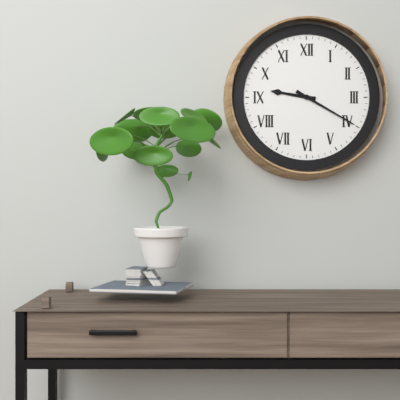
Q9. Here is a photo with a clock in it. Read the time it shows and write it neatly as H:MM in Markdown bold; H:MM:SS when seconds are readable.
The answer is **9:20**
